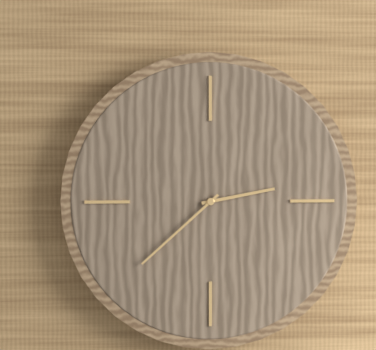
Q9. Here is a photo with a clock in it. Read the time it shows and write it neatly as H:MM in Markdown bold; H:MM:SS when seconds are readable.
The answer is **2:38**
